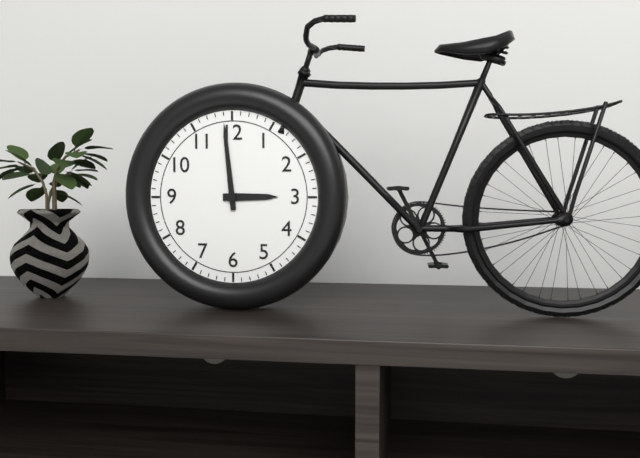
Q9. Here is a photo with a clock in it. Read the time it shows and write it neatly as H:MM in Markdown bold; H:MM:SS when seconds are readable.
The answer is **2:59**
